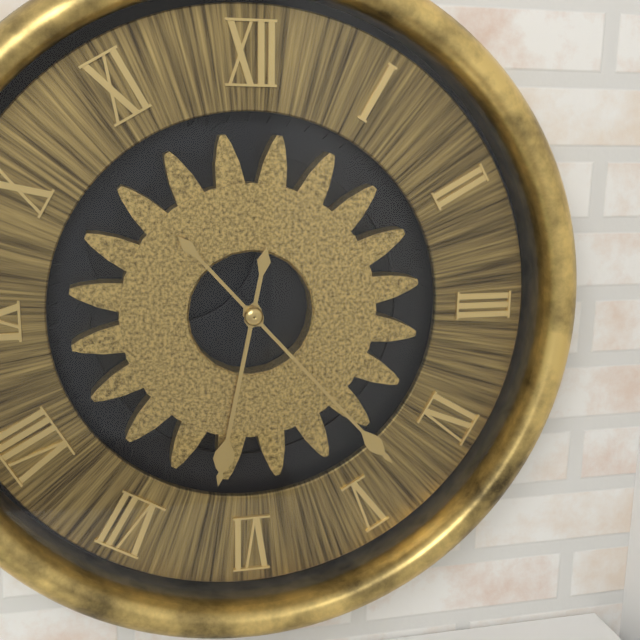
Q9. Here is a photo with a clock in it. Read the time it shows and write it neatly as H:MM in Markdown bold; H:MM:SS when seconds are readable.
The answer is **6:23**
